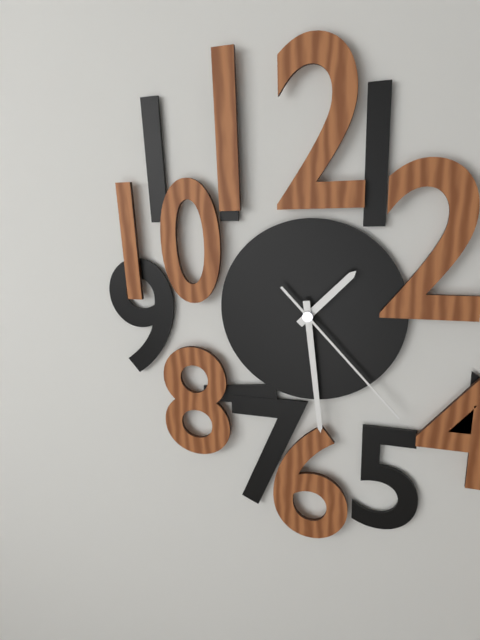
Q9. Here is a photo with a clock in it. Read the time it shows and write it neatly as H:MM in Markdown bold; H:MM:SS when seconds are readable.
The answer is **1:29:23**
